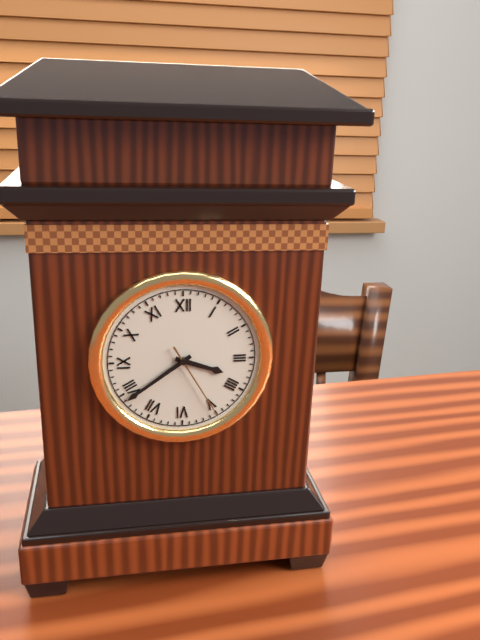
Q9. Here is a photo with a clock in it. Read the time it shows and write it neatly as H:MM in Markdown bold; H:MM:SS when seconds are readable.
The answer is **3:39:25**
